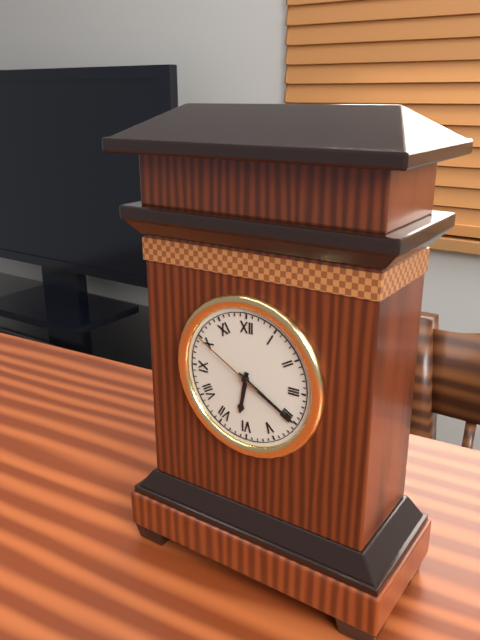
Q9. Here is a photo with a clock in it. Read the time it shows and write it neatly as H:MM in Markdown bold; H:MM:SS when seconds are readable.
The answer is **6:20:50**
